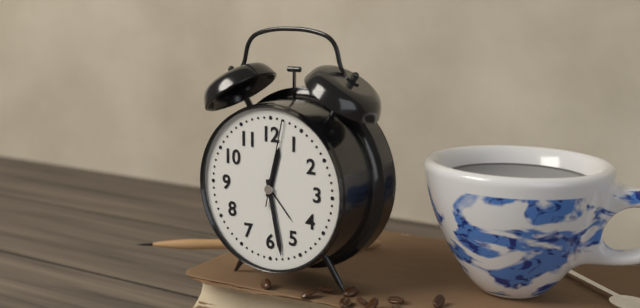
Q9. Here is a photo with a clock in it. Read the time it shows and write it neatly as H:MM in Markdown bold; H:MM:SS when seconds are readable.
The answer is **12:28:02**
